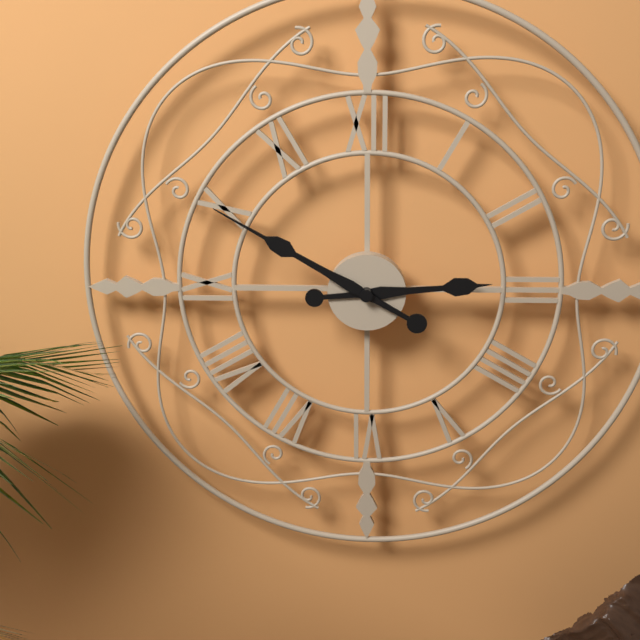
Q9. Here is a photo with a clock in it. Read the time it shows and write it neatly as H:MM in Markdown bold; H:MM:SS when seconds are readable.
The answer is **2:50**
